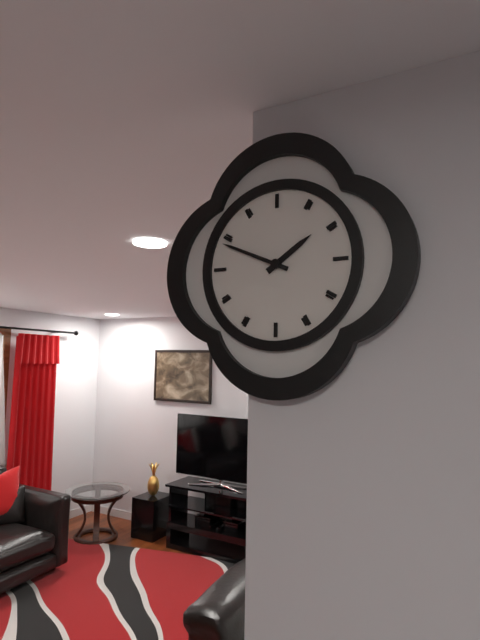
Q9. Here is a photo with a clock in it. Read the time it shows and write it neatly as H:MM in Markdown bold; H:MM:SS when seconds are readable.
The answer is **1:49**
